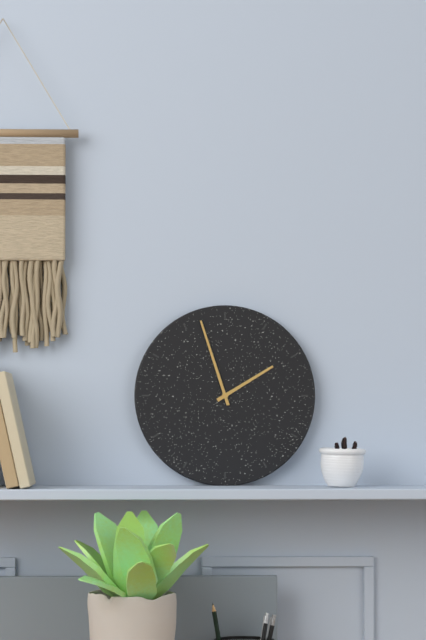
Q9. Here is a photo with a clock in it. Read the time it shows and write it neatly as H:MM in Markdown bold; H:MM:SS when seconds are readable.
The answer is **1:57**
